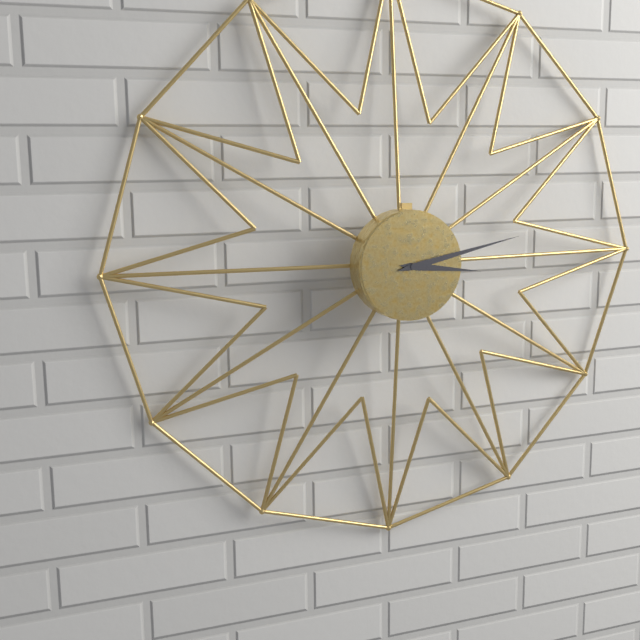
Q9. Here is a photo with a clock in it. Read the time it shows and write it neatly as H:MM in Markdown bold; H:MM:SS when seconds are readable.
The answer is **3:13**
